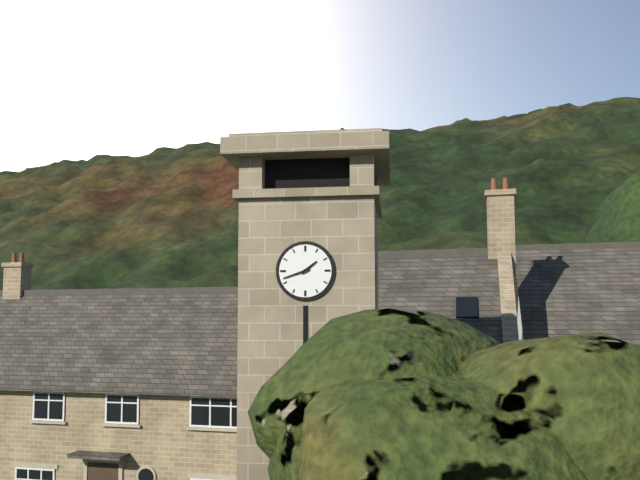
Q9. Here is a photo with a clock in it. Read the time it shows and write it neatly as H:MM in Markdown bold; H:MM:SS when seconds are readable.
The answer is **1:42**
